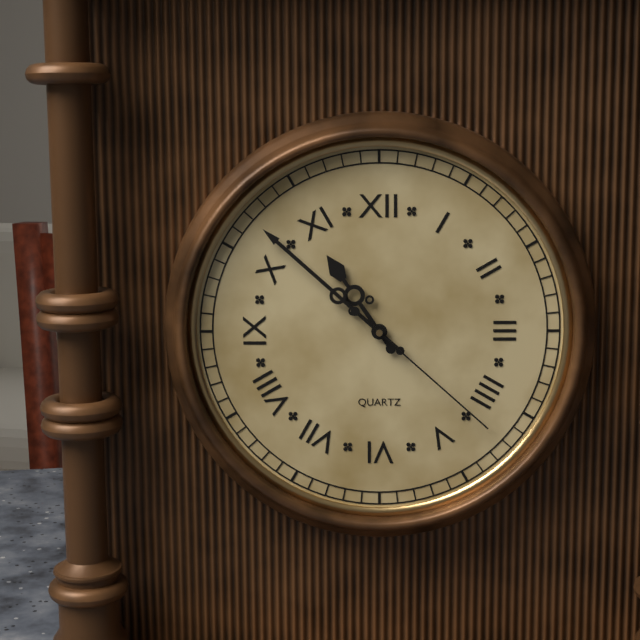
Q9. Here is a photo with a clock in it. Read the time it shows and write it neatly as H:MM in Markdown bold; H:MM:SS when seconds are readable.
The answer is **10:52:22**
